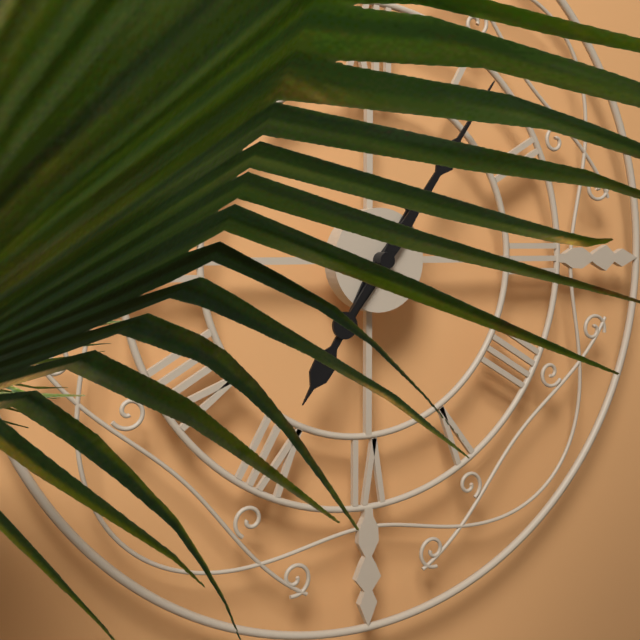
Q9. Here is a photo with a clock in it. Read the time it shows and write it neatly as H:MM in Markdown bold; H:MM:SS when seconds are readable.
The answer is **7:06**
